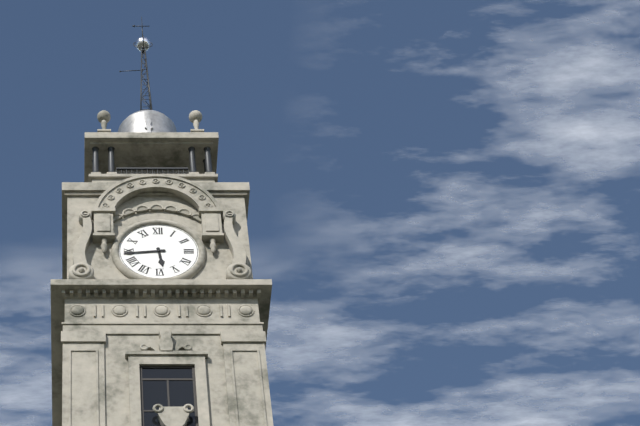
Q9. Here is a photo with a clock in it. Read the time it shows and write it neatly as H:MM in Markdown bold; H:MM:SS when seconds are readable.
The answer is **5:44**
